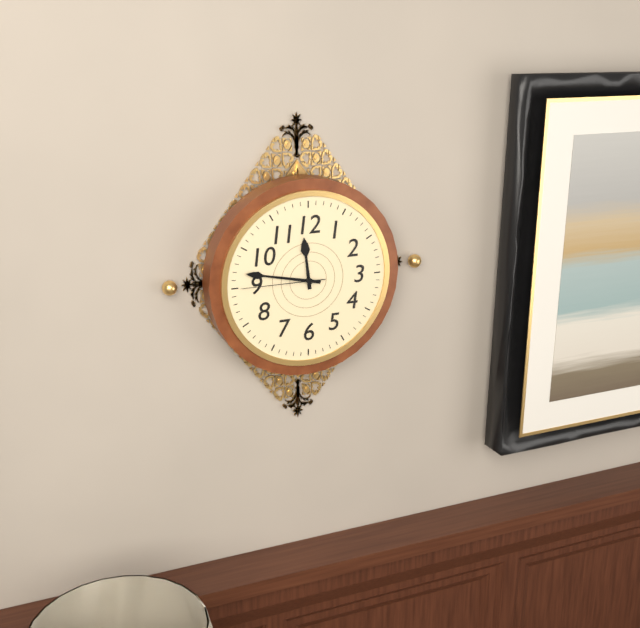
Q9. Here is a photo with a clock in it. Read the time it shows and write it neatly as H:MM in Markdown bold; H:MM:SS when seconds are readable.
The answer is **11:47:45**
